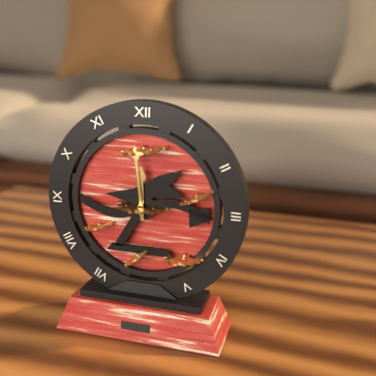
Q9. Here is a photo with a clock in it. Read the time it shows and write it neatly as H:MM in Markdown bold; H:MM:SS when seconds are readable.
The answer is **11:59**
